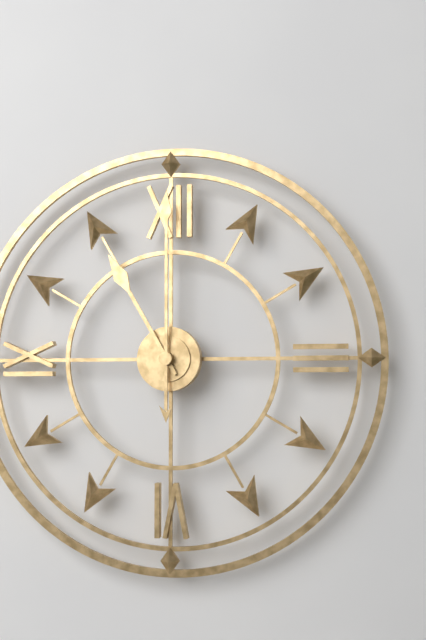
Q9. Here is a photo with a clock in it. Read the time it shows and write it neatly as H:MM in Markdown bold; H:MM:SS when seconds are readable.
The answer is **11:00**
